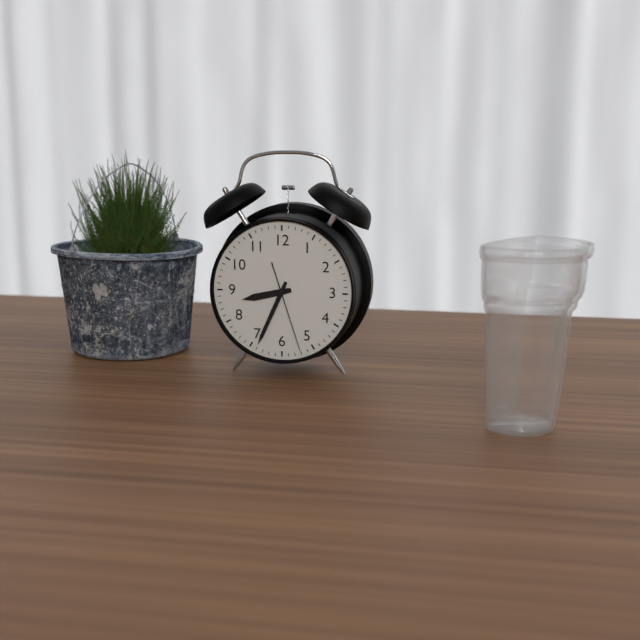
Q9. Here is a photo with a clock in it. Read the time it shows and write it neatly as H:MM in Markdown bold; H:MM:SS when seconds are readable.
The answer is **8:34:27**
